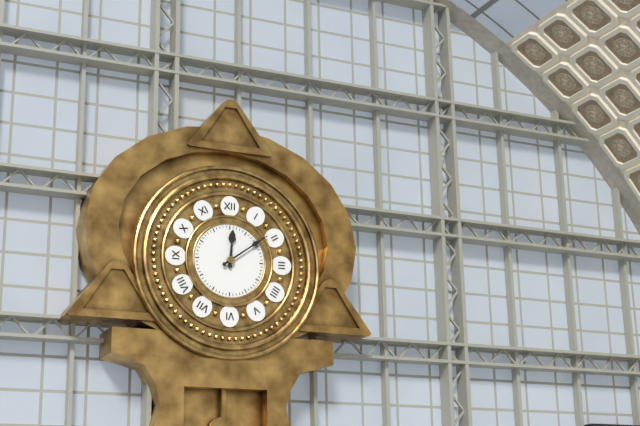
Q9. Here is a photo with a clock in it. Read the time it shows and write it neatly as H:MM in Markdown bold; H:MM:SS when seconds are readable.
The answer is **12:09**
